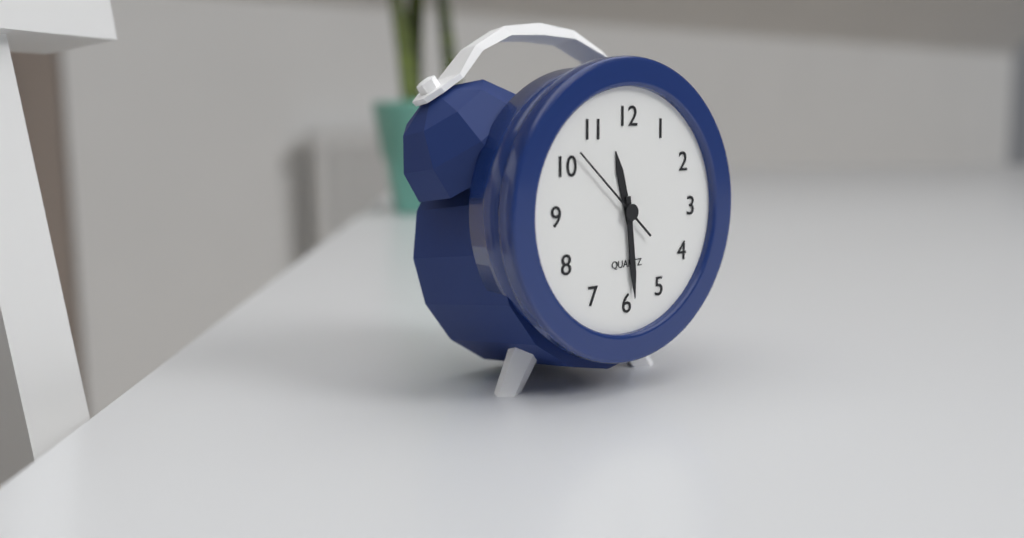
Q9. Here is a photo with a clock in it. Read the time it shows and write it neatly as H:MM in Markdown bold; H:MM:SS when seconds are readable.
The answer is **11:29:52**
